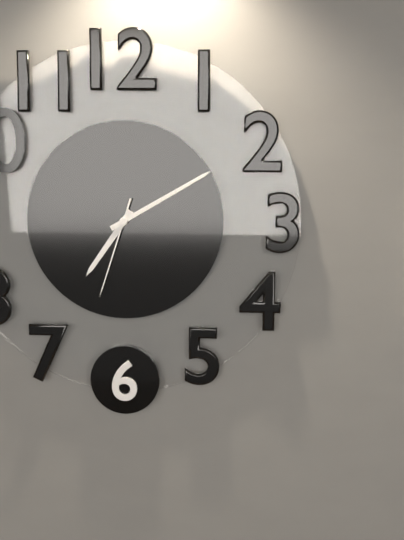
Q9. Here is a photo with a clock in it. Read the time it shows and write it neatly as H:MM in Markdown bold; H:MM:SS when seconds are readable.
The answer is **7:10:33**
